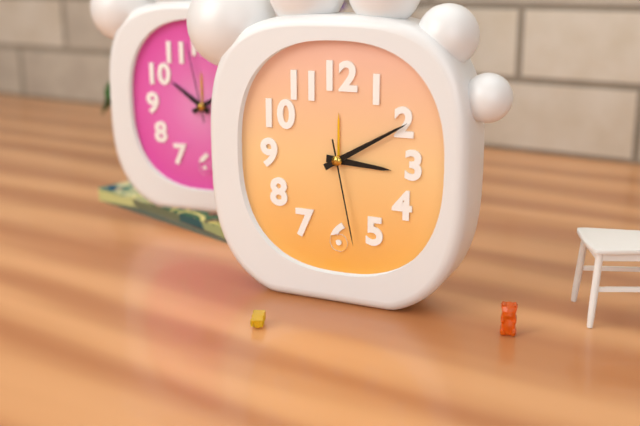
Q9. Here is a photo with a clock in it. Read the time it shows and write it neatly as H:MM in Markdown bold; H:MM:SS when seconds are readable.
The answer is **3:10:28**
